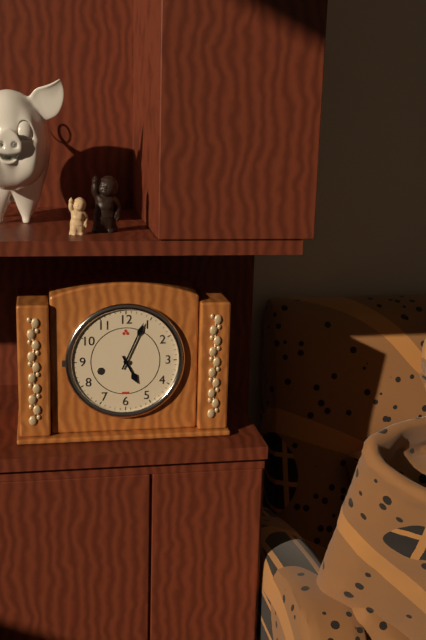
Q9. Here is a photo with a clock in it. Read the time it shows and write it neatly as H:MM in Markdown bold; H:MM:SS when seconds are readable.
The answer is **5:04**
